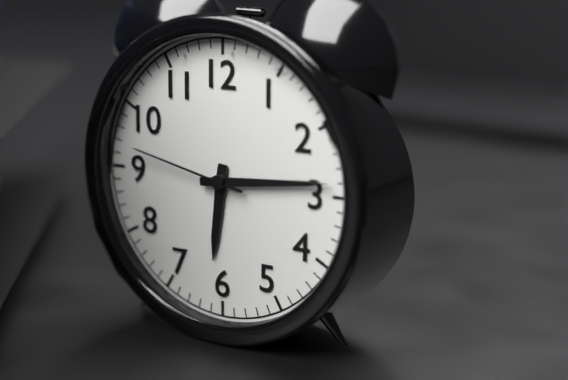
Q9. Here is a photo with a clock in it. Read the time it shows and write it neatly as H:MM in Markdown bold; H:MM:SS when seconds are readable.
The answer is **6:14:47**
